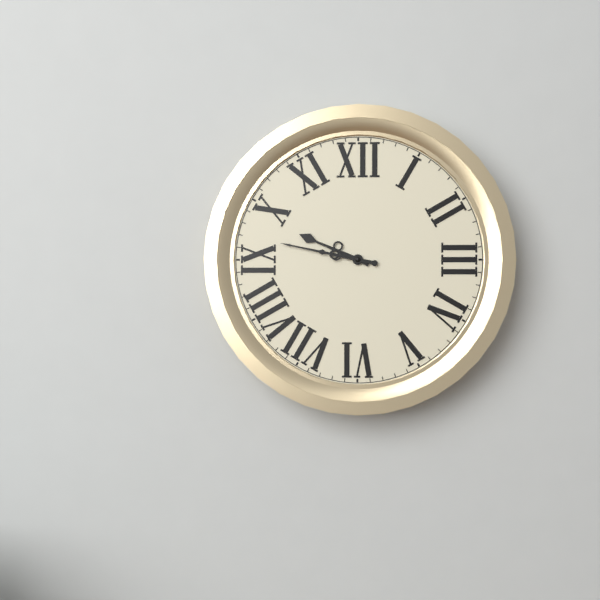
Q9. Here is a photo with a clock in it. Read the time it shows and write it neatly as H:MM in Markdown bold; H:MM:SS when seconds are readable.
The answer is **9:47**
